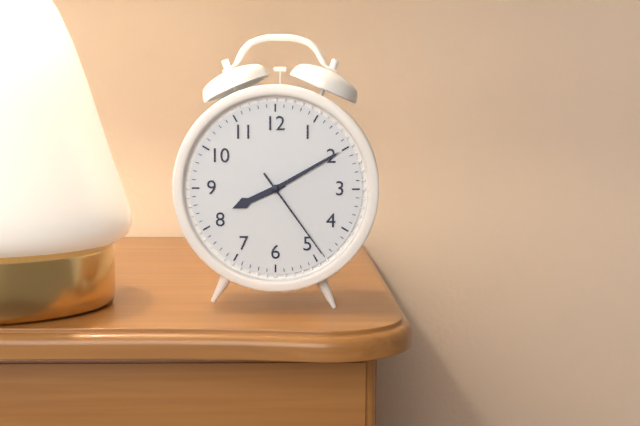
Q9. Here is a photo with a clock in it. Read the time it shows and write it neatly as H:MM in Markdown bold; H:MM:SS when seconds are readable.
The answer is **8:10:24**
